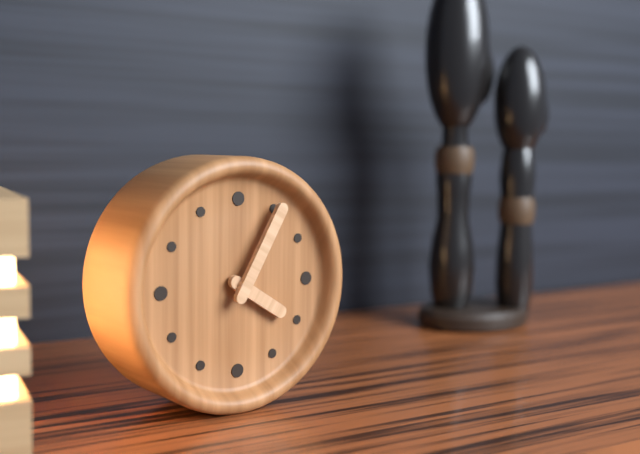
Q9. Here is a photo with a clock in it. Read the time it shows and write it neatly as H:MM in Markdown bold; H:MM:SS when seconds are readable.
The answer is **4:05**
